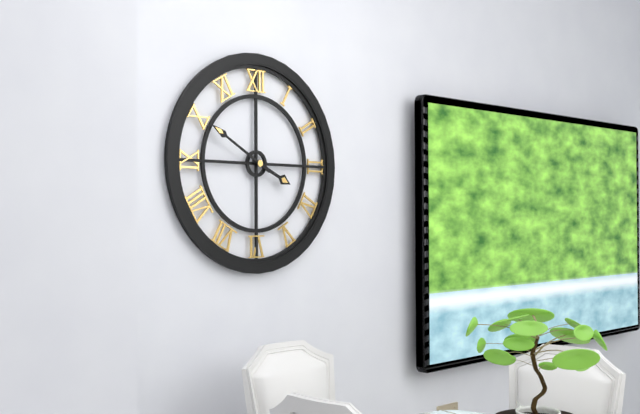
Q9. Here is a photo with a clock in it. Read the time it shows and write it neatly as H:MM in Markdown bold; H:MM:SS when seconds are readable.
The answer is **3:50**
